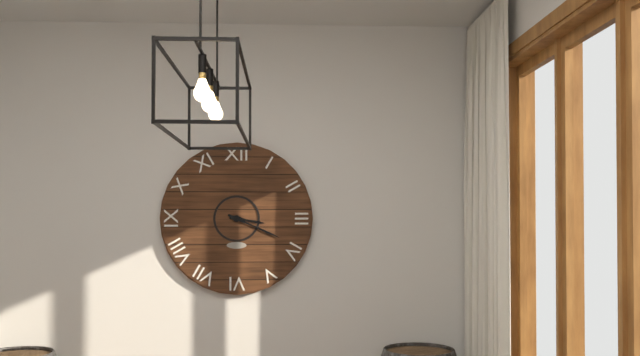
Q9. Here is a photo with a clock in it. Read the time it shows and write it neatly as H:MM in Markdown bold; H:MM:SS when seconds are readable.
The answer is **3:19**
